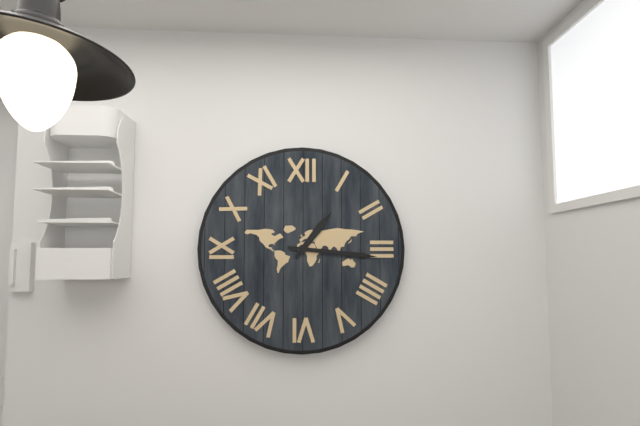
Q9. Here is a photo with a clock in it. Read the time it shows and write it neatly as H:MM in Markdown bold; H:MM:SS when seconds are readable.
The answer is **1:16**
